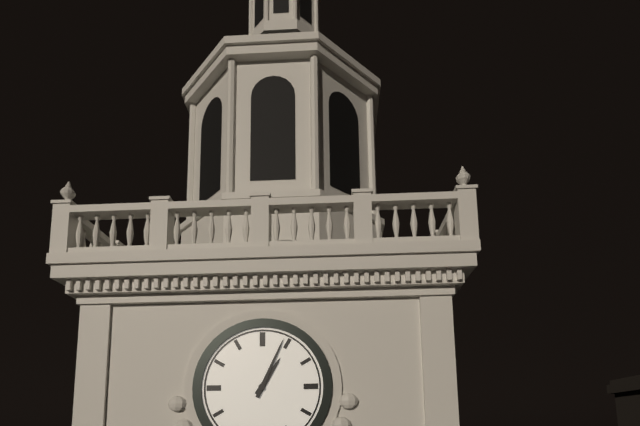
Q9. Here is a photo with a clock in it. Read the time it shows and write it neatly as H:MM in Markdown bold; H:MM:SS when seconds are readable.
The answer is **1:04**
